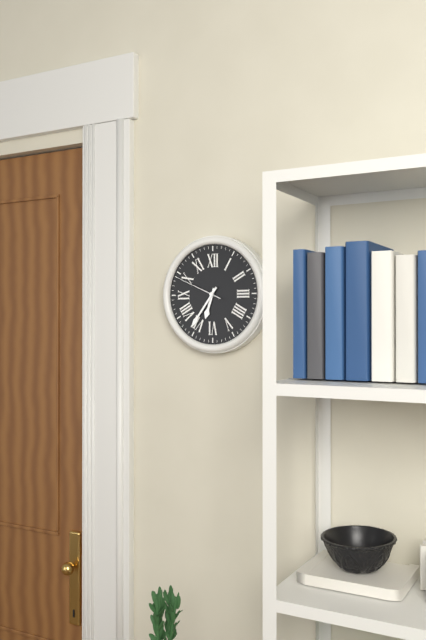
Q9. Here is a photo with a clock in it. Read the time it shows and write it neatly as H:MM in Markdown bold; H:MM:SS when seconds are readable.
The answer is **6:36**
